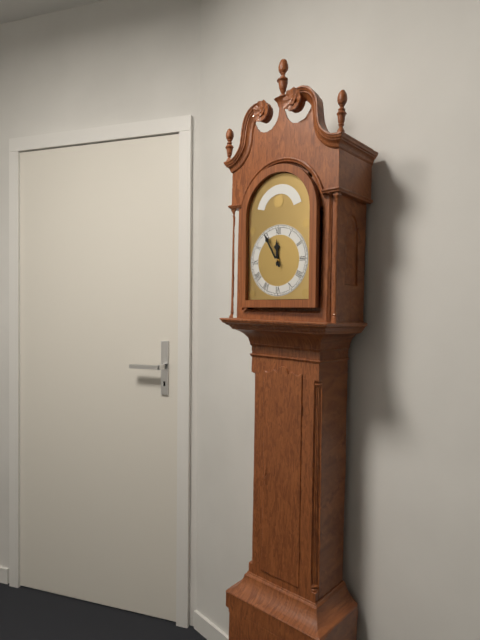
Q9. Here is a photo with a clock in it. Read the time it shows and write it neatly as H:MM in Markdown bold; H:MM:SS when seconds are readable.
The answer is **11:55**
